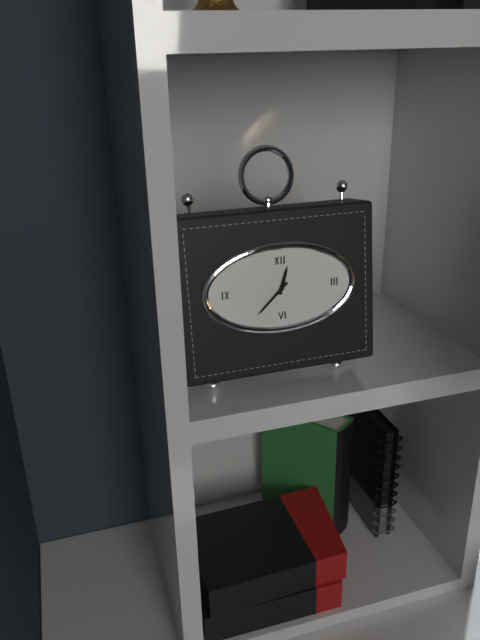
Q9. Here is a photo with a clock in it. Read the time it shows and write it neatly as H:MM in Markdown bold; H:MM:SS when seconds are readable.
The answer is **12:38**
